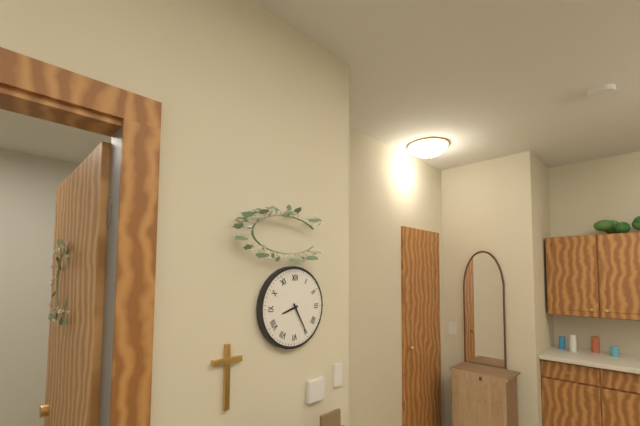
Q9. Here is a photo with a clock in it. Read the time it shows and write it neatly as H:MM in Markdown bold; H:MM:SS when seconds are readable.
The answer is **8:25**
